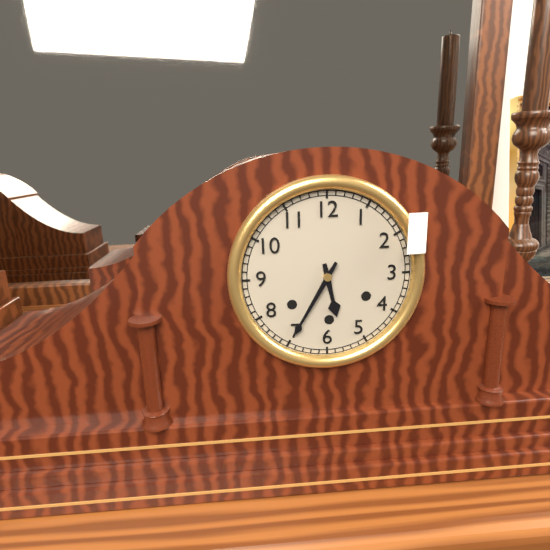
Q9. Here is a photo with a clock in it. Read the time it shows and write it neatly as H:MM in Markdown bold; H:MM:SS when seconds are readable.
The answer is **5:35**
